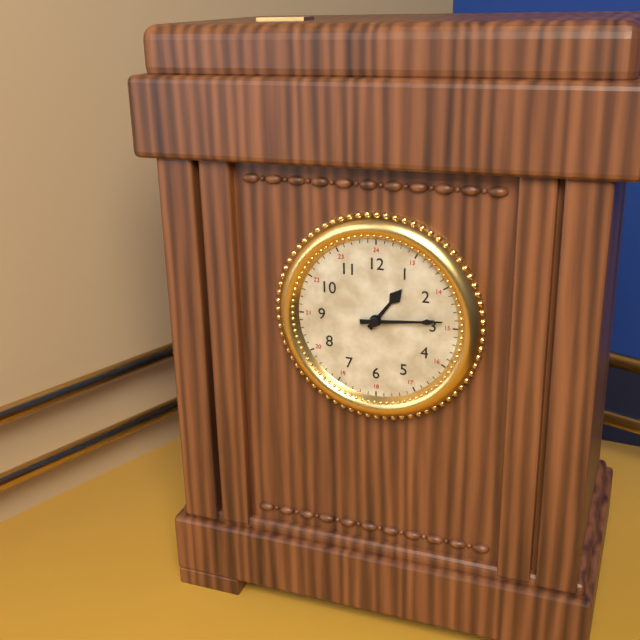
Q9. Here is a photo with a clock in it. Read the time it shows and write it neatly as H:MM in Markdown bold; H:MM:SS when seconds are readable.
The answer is **1:14**
